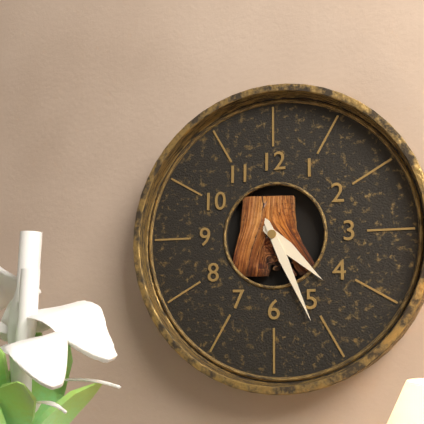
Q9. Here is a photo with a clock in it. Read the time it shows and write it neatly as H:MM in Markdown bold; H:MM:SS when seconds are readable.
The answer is **4:26**
